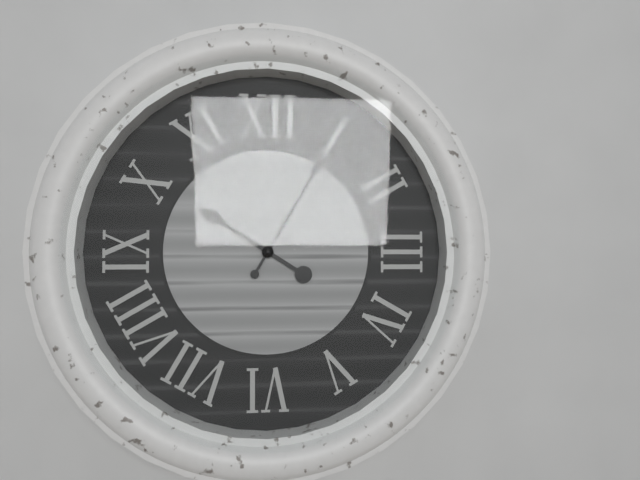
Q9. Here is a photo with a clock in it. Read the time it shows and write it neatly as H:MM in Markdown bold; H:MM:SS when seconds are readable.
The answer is **10:05**
